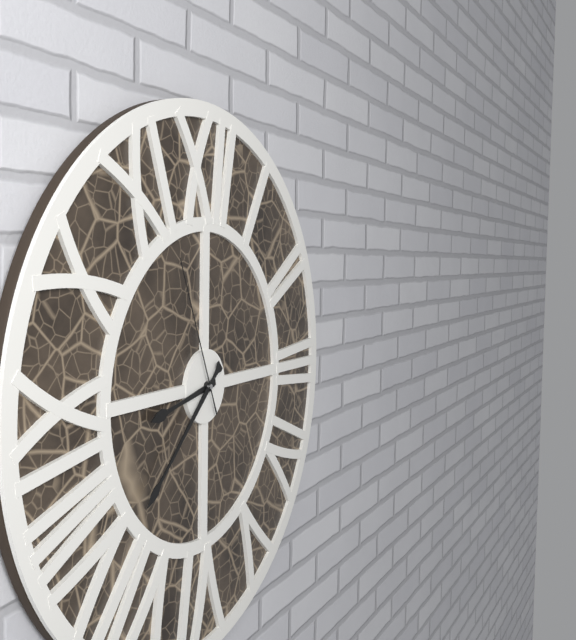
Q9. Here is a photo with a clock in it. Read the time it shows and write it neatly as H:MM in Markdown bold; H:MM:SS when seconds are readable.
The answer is **8:38:56**
